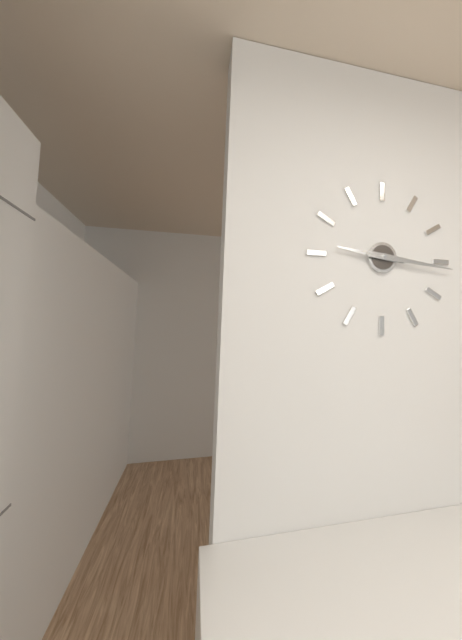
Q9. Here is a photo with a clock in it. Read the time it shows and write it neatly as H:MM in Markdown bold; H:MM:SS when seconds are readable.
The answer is **9:16**
